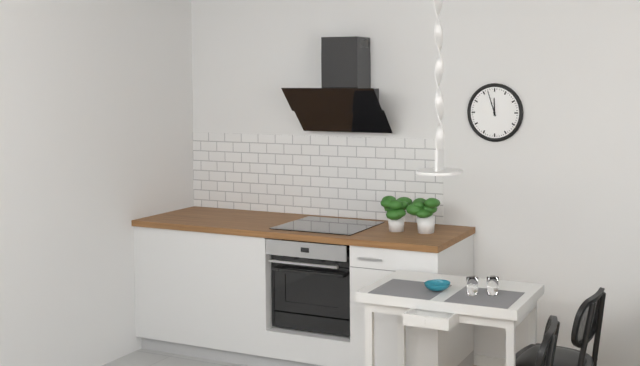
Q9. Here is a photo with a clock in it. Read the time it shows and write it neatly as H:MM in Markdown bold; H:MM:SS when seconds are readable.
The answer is **11:57**
